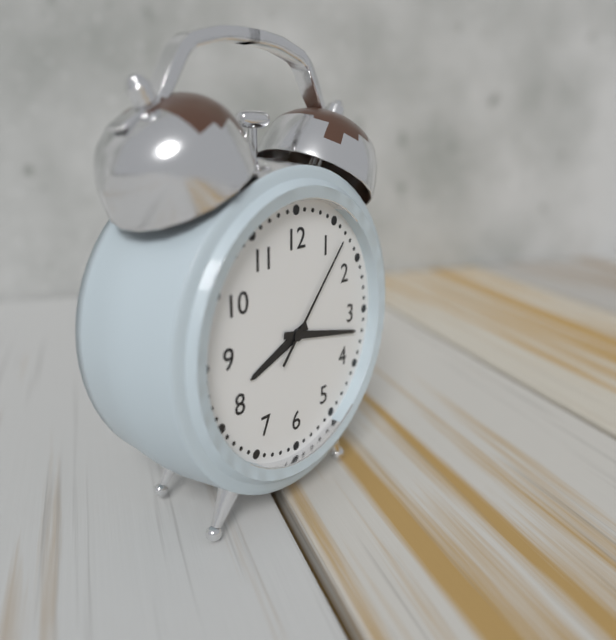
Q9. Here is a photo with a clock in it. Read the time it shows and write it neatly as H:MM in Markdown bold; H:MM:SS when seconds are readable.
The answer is **8:17:07**
